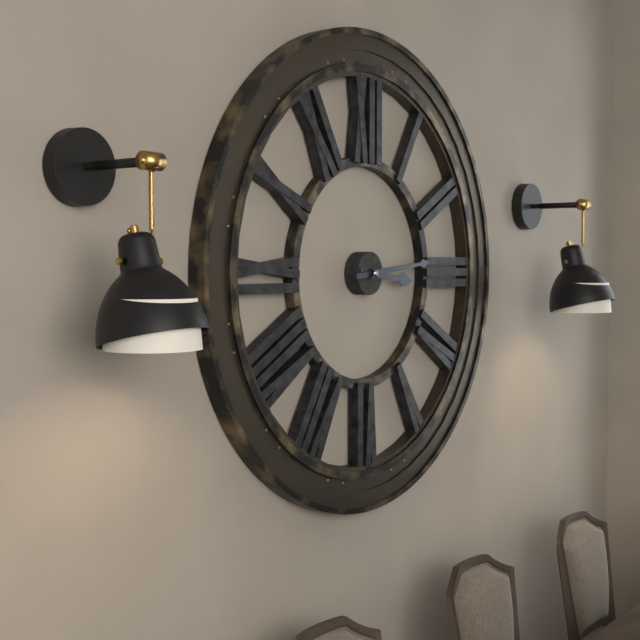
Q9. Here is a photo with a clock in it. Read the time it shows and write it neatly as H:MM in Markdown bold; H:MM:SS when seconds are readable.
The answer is **3:14**
